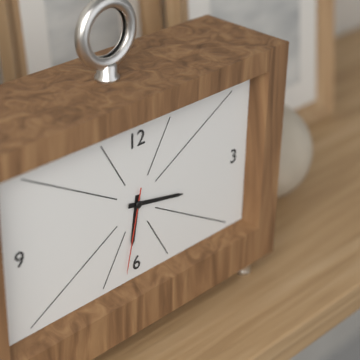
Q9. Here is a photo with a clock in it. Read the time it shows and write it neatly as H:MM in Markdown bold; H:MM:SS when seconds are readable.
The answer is **6:17:32**
